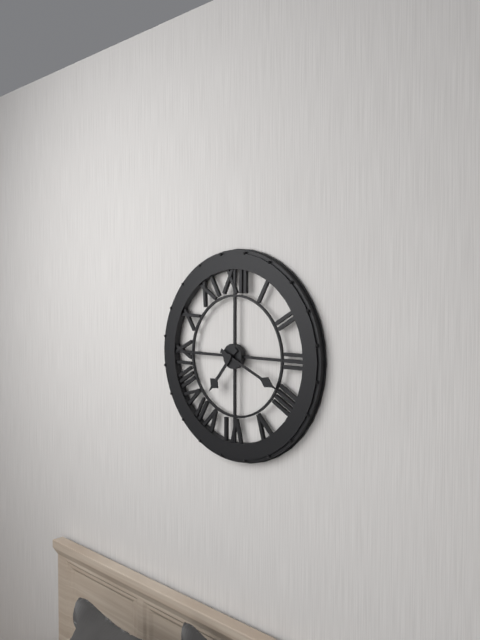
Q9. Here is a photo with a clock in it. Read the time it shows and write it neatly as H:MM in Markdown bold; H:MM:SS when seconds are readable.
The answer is **7:19**
